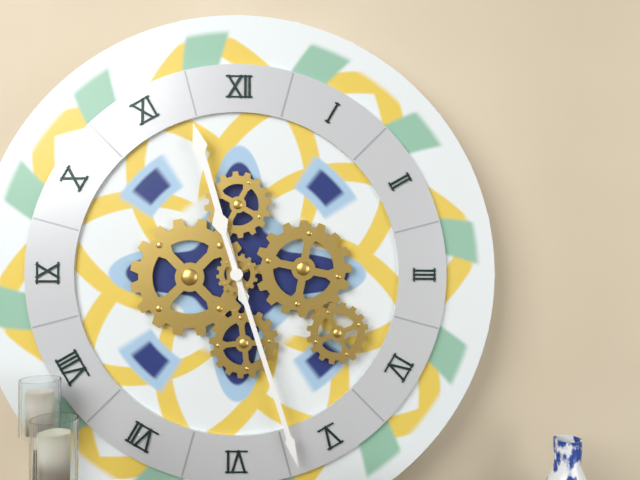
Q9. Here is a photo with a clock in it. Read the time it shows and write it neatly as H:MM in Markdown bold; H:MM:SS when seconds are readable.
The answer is **11:27**
